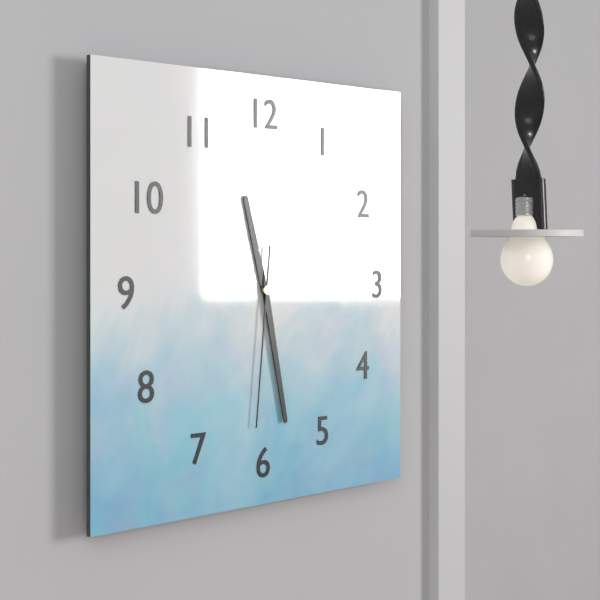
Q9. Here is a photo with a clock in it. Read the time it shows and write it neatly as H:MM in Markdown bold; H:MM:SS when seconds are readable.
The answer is **11:28:31**
